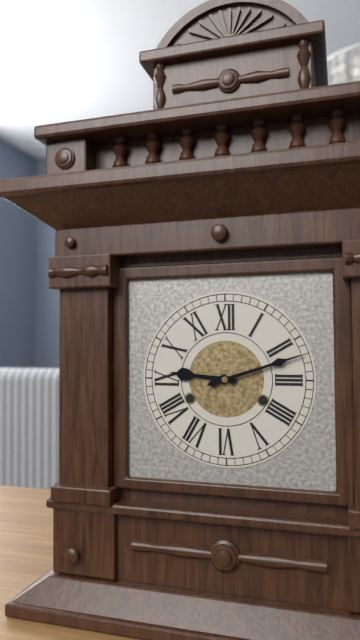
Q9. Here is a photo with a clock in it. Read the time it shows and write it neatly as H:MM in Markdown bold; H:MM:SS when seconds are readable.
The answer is **9:12**
